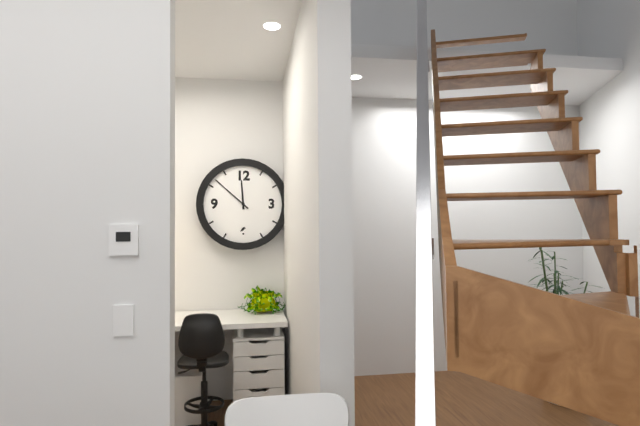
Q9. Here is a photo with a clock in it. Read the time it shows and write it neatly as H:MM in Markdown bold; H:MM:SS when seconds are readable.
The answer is **11:52**
